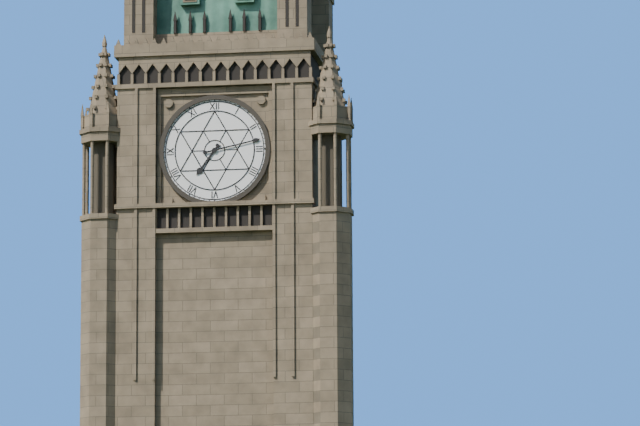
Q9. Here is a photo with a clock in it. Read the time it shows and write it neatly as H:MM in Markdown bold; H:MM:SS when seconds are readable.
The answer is **7:13**
